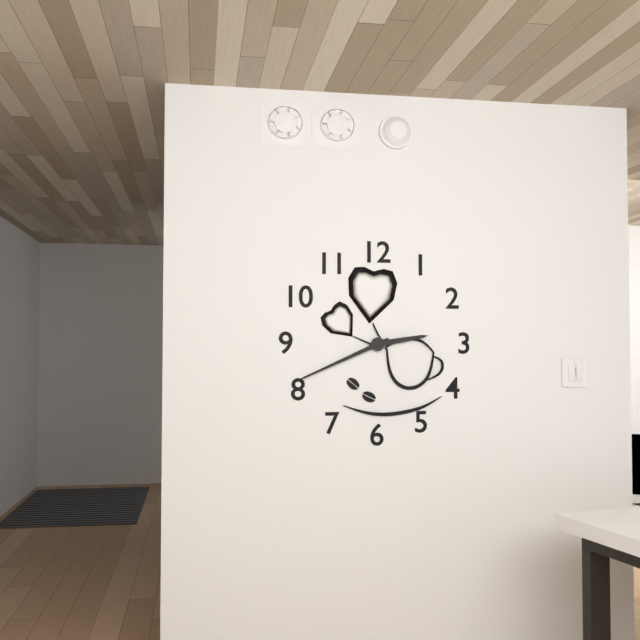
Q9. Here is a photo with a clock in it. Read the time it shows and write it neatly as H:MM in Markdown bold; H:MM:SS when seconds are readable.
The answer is **2:41**
